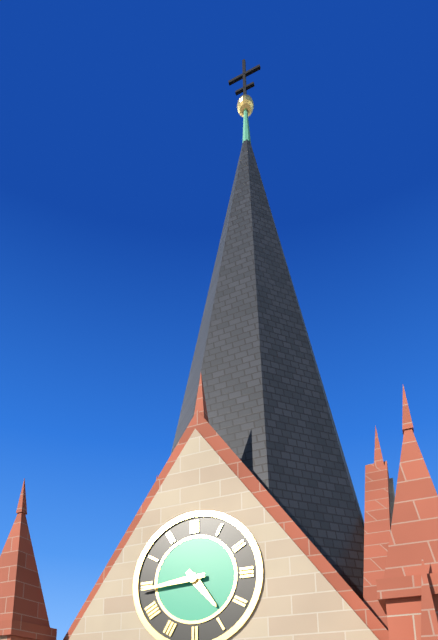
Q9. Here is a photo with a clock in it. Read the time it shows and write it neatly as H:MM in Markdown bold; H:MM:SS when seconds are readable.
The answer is **4:44**
